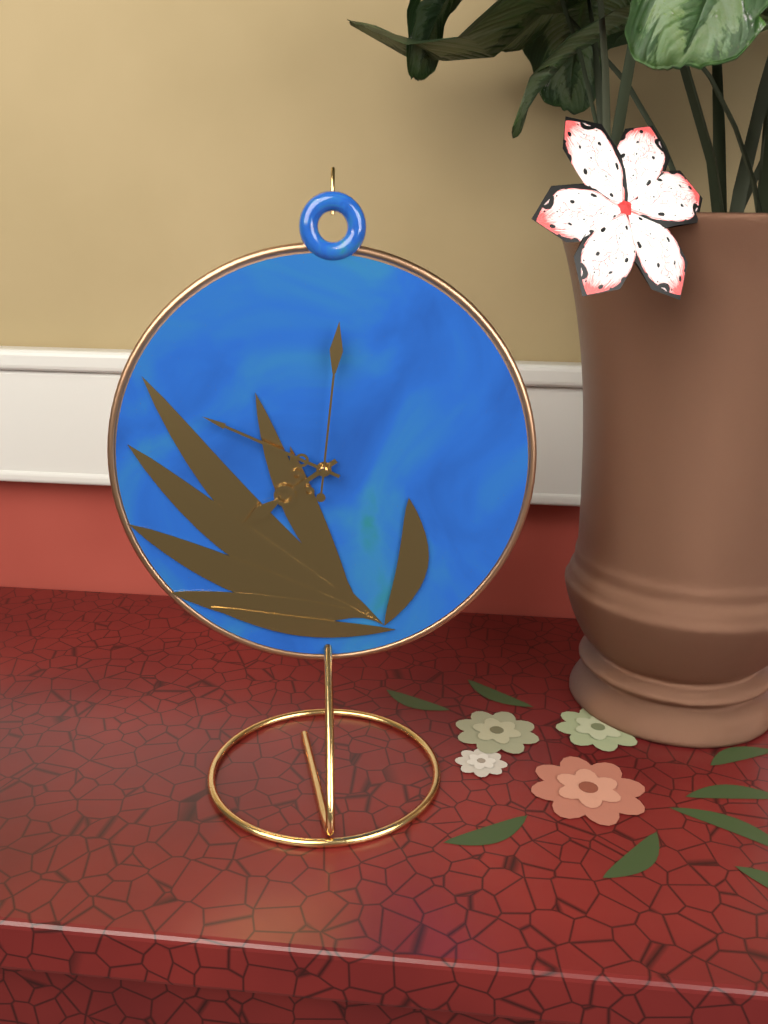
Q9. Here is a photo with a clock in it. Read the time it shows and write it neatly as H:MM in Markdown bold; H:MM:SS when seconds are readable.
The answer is **7:49:01**
